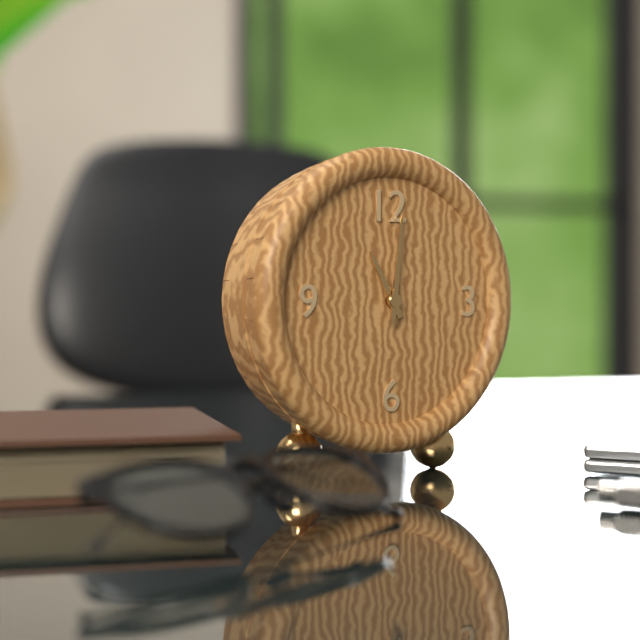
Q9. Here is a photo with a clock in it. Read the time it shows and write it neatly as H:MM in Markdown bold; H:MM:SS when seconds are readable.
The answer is **11:01**
